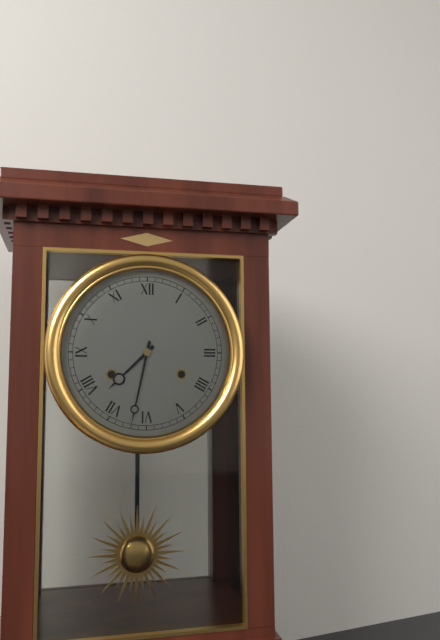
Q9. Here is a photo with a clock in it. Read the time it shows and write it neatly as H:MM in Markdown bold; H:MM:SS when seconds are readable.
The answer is **7:32**
